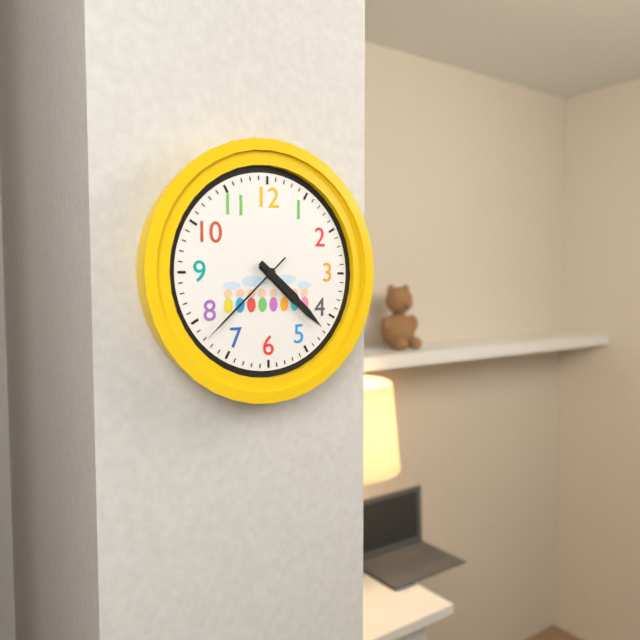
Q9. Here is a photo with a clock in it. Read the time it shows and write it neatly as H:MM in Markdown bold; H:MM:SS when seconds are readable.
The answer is **4:22:38**
